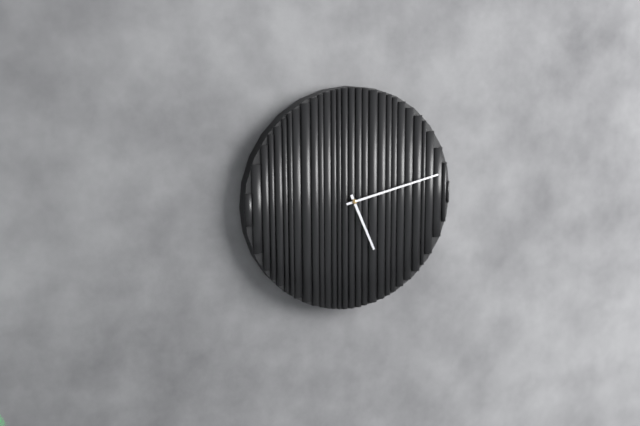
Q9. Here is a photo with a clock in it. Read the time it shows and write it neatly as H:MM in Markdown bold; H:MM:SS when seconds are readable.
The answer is **5:13**
